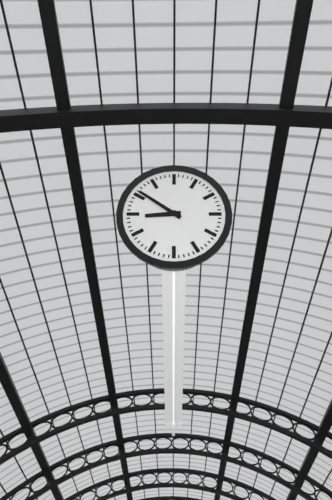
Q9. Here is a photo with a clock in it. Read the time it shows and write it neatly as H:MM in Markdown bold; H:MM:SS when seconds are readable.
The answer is **8:51**
